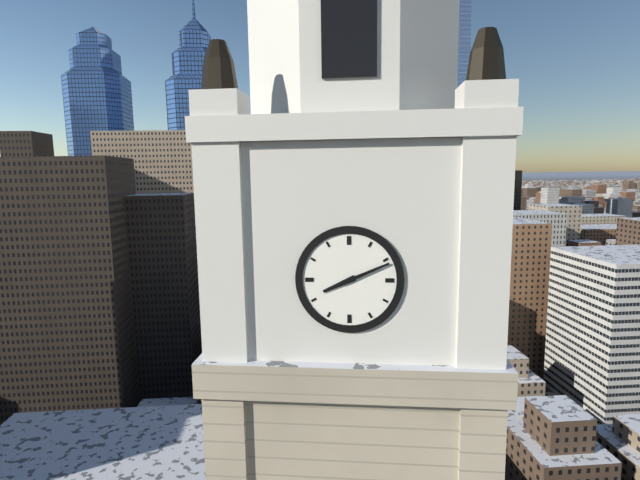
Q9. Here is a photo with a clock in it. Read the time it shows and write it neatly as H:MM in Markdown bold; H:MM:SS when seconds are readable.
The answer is **8:11**
